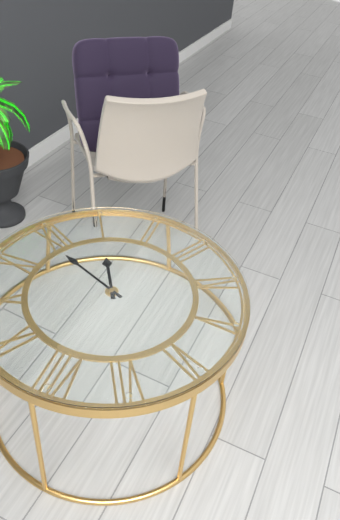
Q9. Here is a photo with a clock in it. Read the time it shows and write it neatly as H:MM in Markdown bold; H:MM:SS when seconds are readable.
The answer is **12:59**
